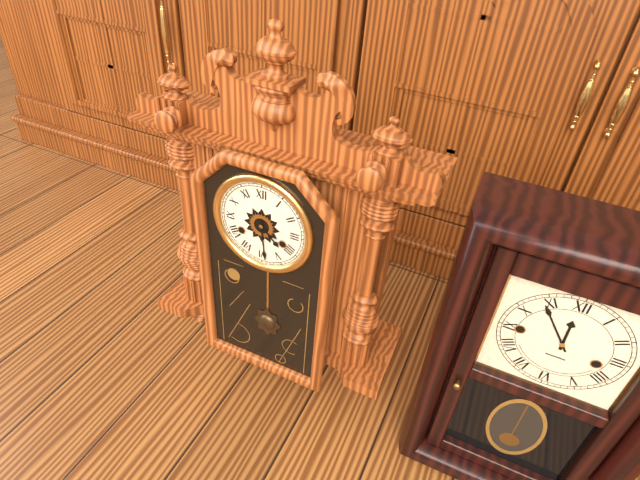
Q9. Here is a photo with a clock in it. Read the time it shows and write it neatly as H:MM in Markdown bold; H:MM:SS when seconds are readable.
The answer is **4:29**
